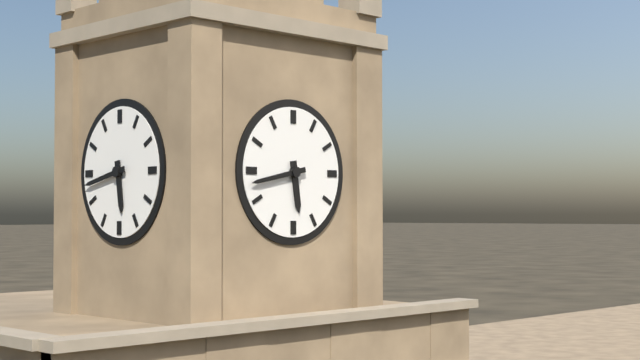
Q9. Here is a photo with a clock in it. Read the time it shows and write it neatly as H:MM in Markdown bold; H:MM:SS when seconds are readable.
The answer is **5:43**
